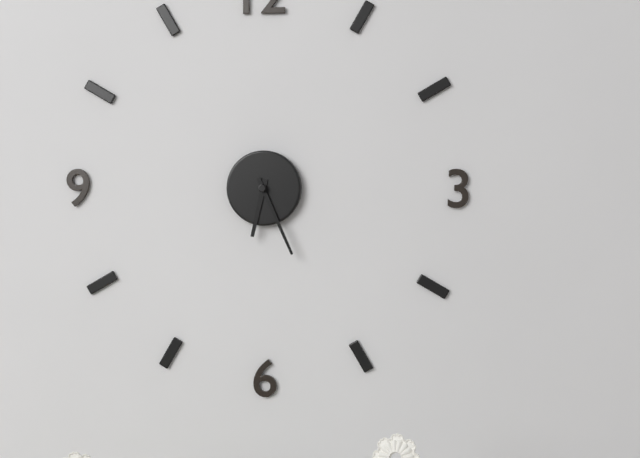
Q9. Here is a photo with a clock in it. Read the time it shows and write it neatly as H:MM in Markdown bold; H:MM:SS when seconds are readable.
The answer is **6:26**
